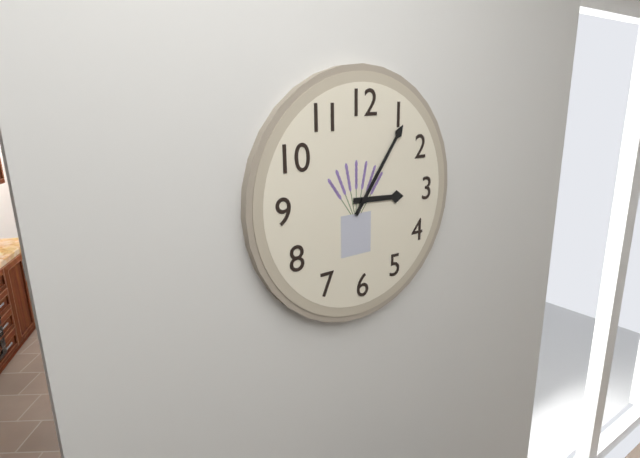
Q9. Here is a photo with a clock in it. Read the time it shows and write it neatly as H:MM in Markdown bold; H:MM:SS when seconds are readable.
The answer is **3:06**
